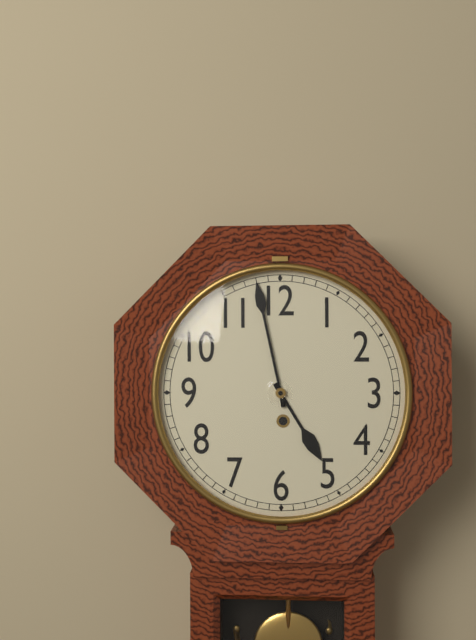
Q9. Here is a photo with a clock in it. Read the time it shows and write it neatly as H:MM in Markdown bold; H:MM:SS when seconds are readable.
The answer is **4:58**
